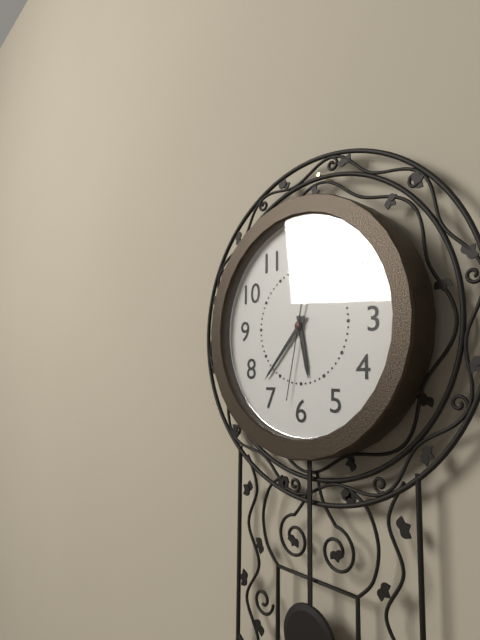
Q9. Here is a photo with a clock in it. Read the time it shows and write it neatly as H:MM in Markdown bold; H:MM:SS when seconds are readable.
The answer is **5:37:32**
